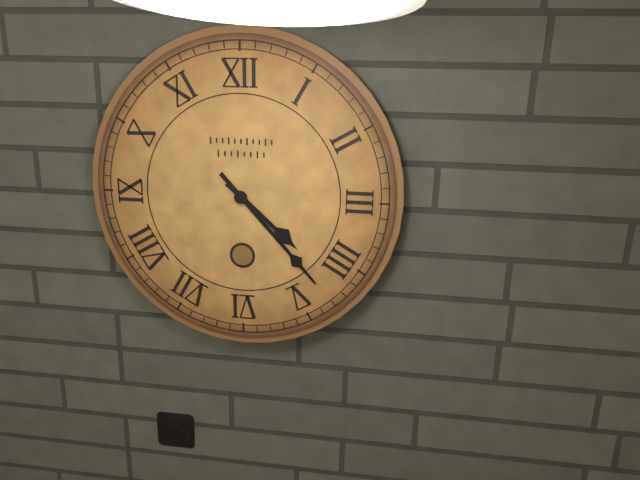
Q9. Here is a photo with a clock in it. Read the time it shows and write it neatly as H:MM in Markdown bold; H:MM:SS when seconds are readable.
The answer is **4:23**
